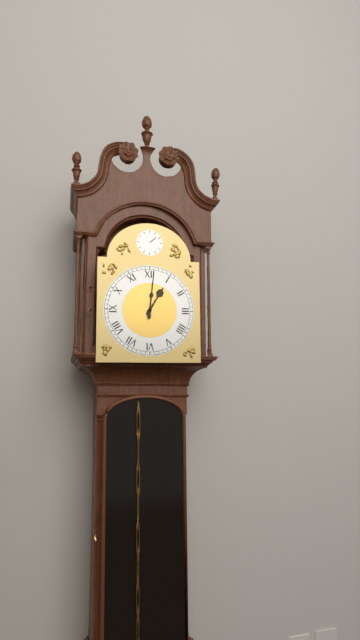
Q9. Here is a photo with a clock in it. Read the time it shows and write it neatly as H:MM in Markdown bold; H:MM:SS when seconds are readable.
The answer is **1:01**
